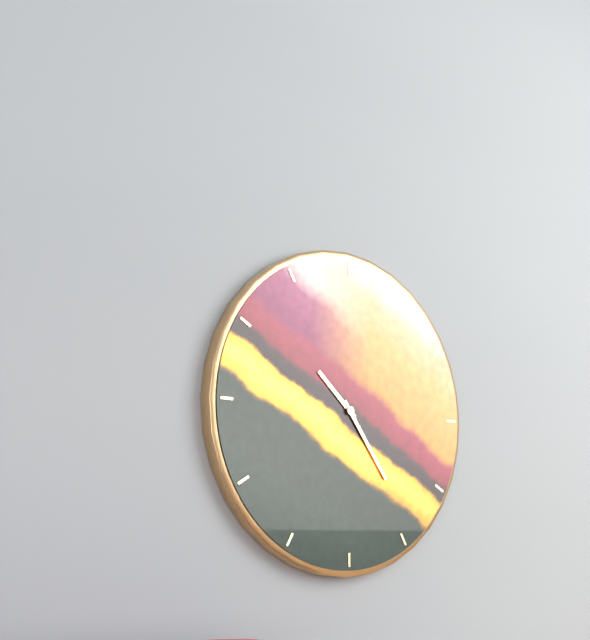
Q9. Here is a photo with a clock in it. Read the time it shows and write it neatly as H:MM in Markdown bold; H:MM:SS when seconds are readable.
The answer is **10:24**
